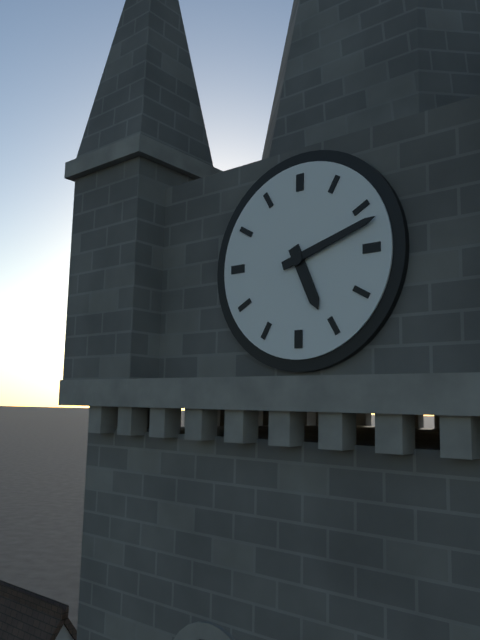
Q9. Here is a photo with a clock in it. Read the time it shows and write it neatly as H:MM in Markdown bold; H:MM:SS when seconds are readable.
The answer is **5:12**
